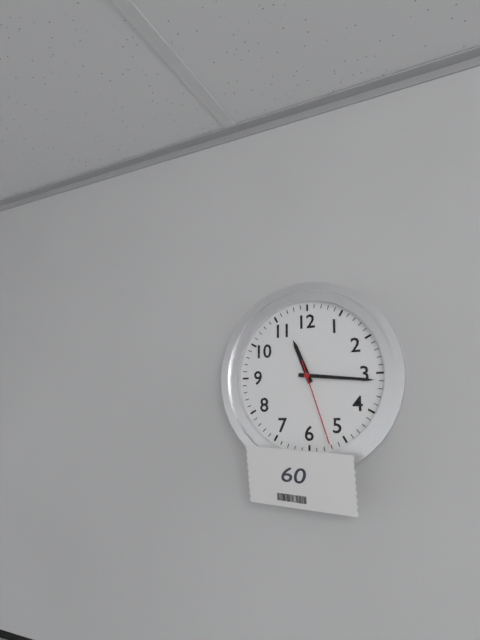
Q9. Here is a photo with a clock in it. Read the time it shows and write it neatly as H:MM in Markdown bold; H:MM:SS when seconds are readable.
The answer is **11:16:27**
